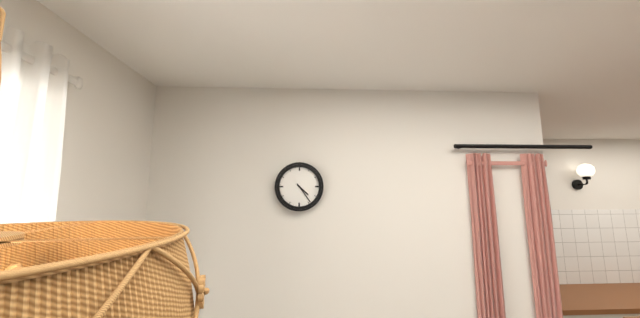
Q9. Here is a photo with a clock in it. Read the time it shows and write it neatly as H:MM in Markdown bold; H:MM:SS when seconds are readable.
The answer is **4:24**
